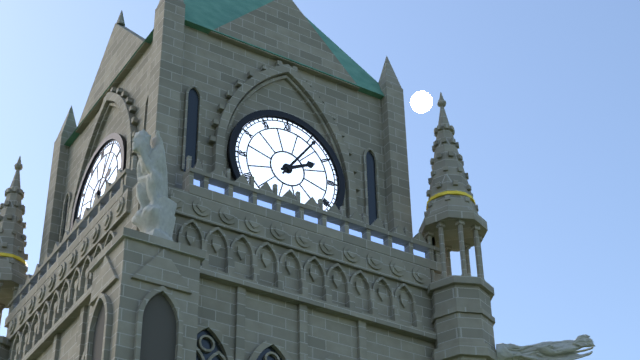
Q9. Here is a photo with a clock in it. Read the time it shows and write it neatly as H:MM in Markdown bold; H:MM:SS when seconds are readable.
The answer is **2:06**
